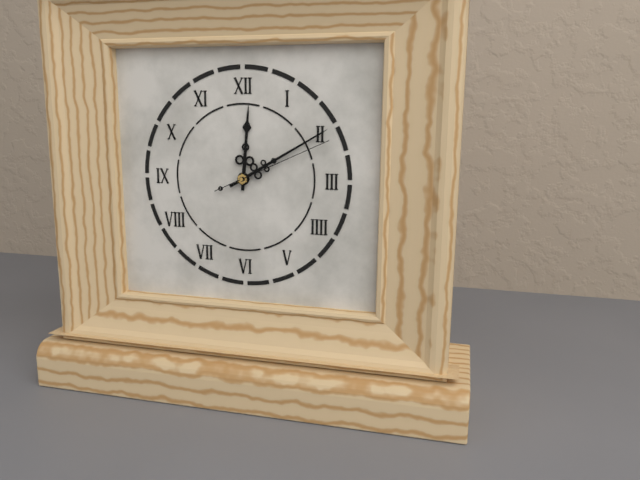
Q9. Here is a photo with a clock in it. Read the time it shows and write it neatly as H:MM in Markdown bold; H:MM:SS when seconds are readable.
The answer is **12:10:11**
